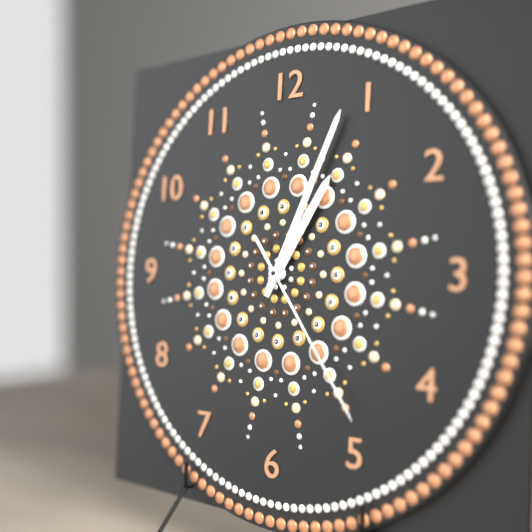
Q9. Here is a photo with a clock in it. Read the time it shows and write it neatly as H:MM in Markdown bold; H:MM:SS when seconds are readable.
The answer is **1:04:24**
